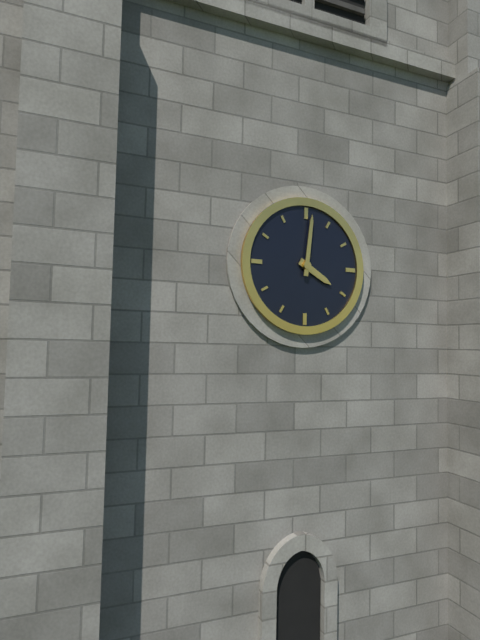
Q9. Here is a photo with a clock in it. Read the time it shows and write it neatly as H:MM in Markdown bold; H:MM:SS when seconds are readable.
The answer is **4:01**
